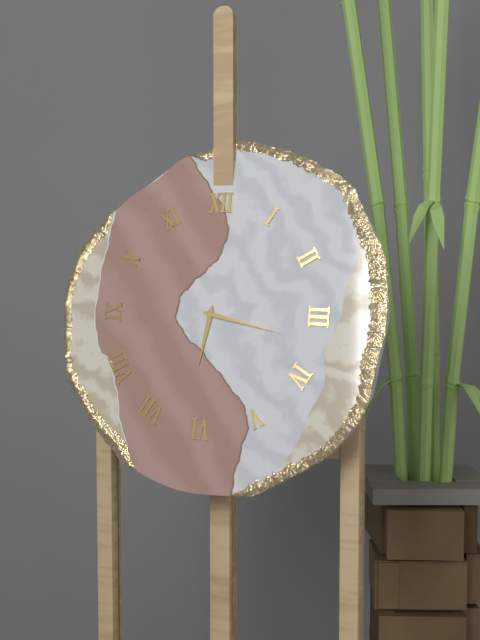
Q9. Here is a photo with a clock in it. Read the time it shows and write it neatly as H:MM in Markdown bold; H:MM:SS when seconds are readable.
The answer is **6:17**
